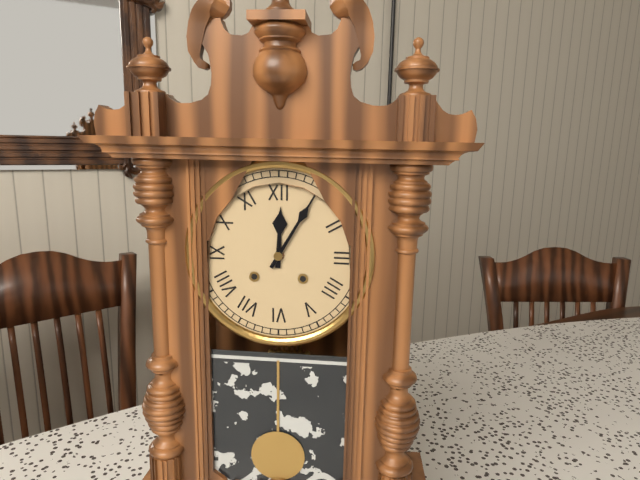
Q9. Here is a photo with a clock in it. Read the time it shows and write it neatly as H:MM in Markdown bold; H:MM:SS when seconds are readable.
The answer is **12:05**
